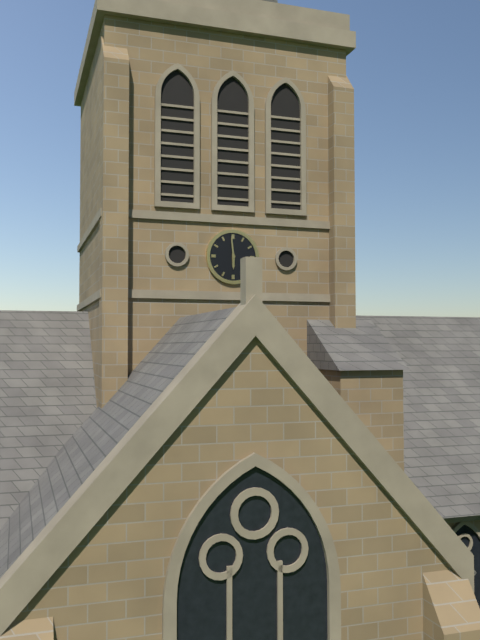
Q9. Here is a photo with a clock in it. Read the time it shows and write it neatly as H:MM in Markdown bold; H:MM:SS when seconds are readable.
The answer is **5:59**
